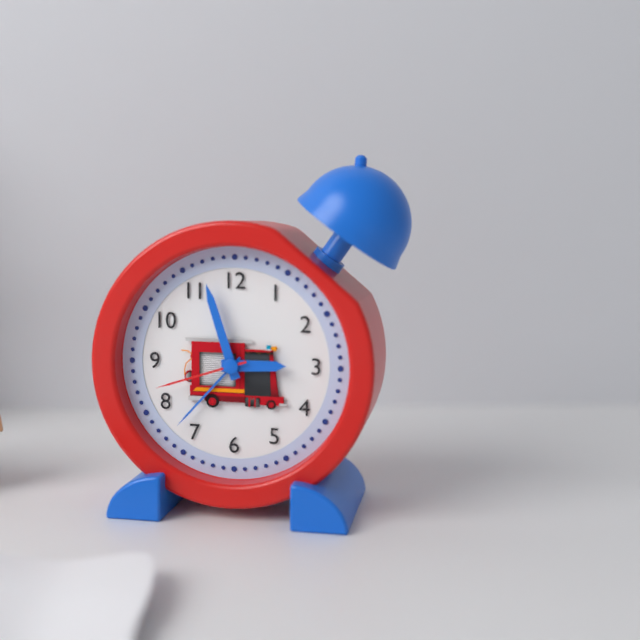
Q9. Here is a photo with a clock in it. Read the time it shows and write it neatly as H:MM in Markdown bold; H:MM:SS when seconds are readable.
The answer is **2:57:42**
